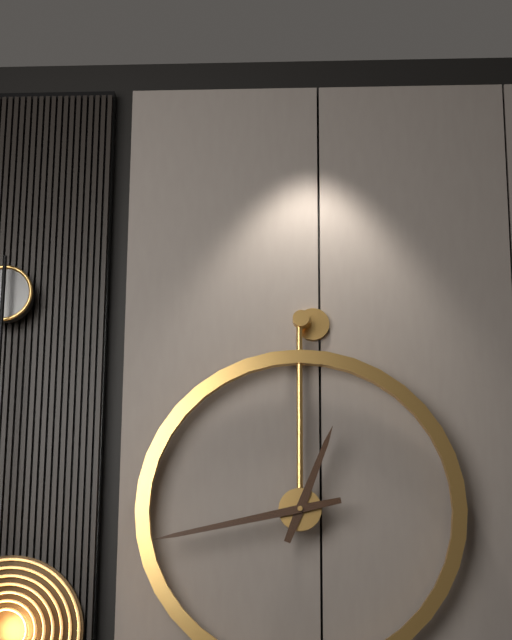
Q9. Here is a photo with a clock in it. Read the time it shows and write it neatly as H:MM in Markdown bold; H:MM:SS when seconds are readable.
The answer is **12:43**
